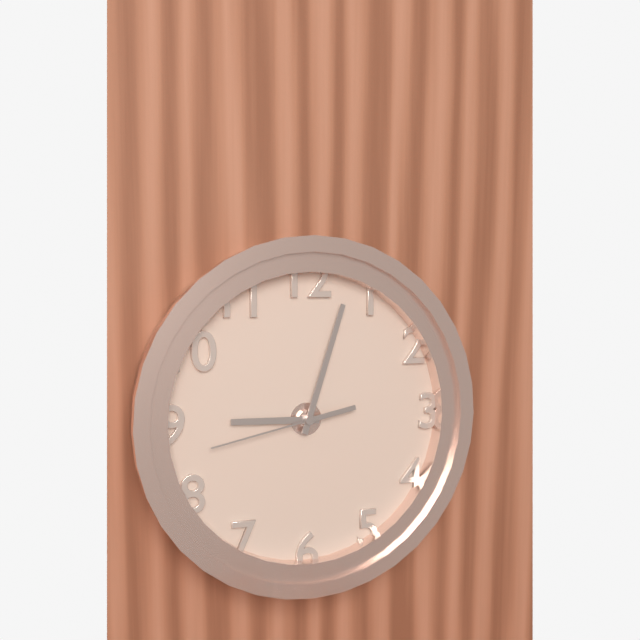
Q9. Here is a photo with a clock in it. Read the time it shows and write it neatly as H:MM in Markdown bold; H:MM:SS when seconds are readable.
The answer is **9:03:43**
